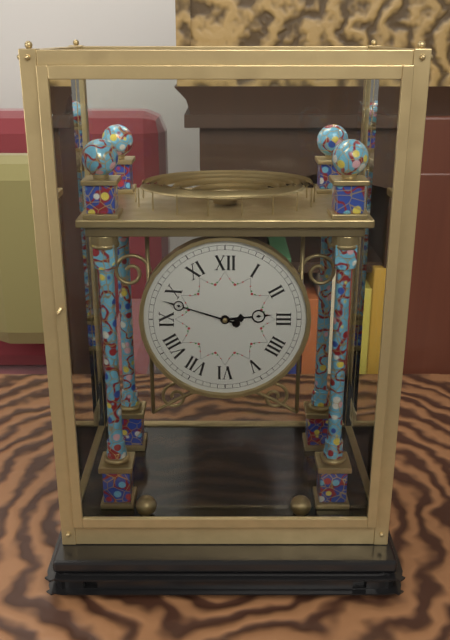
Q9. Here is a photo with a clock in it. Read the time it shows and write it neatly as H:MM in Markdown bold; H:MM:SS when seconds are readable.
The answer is **2:48**
